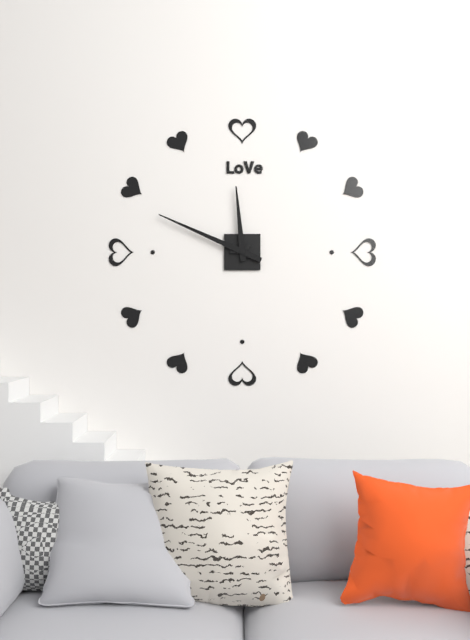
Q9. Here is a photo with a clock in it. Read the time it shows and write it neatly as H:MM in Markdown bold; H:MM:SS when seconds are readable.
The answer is **11:49**
